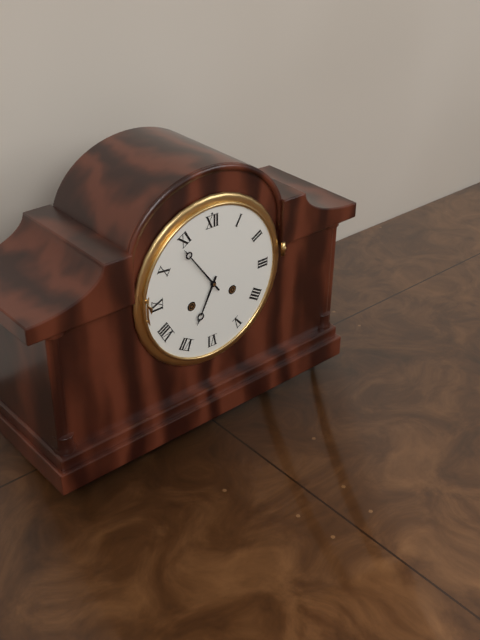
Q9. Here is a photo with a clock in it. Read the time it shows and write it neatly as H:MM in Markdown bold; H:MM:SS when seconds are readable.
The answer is **6:54**
